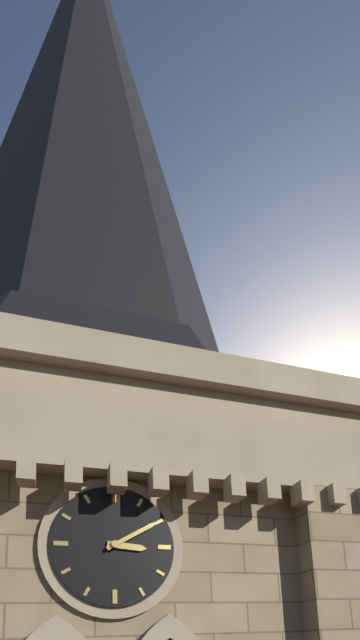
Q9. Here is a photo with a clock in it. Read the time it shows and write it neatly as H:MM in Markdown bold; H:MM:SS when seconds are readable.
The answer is **3:10**
